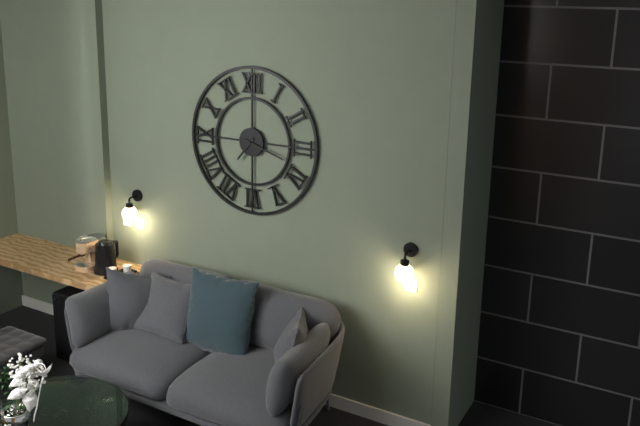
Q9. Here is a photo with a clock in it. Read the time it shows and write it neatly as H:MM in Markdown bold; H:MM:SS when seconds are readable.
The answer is **7:18**
